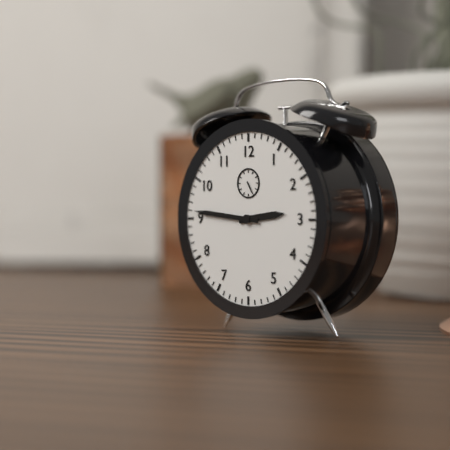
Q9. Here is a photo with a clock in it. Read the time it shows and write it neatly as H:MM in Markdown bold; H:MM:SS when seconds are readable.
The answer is **2:46**
